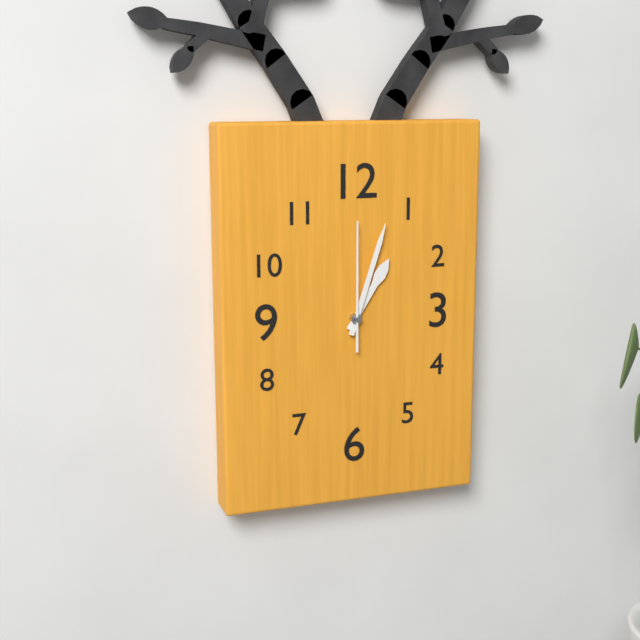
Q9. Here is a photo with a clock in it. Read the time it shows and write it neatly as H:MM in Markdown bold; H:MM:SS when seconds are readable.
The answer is **1:03:00**
